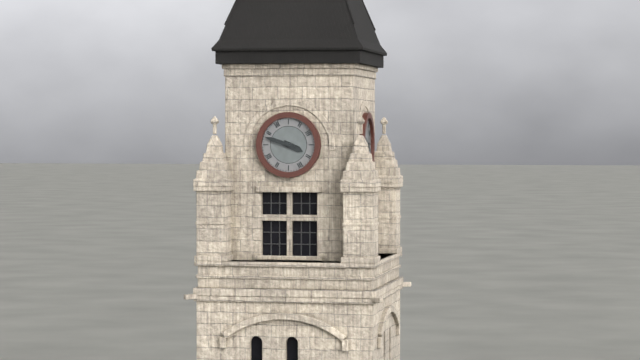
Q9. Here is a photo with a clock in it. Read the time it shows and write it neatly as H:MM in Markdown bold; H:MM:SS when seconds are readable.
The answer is **3:48**
